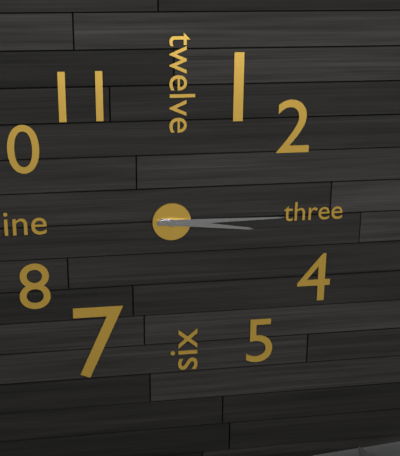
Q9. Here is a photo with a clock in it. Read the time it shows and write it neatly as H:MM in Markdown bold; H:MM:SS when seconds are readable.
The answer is **3:15**
